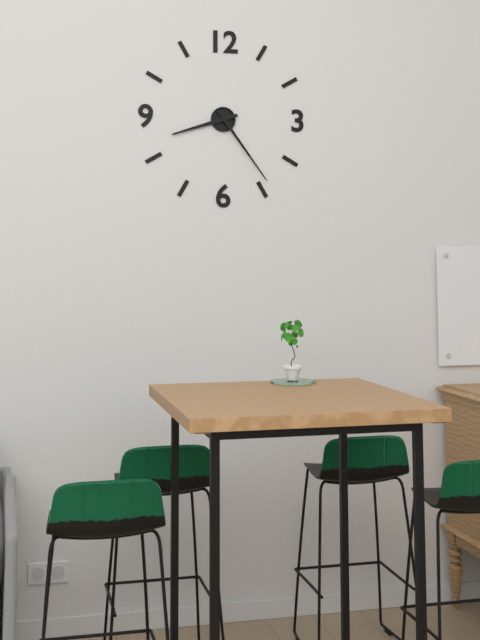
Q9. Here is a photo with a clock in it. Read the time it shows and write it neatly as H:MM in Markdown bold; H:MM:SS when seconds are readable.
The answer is **8:24**
